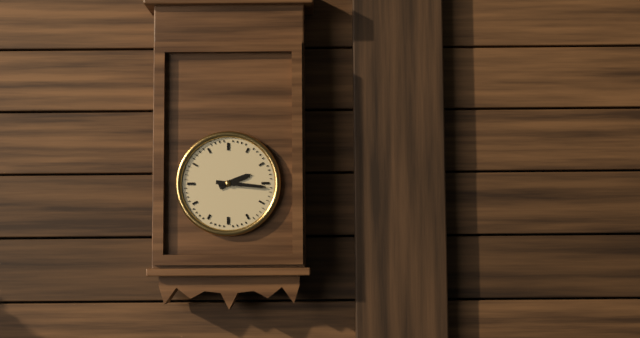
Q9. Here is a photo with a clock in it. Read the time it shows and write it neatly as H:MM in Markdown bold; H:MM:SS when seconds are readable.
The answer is **2:16**
